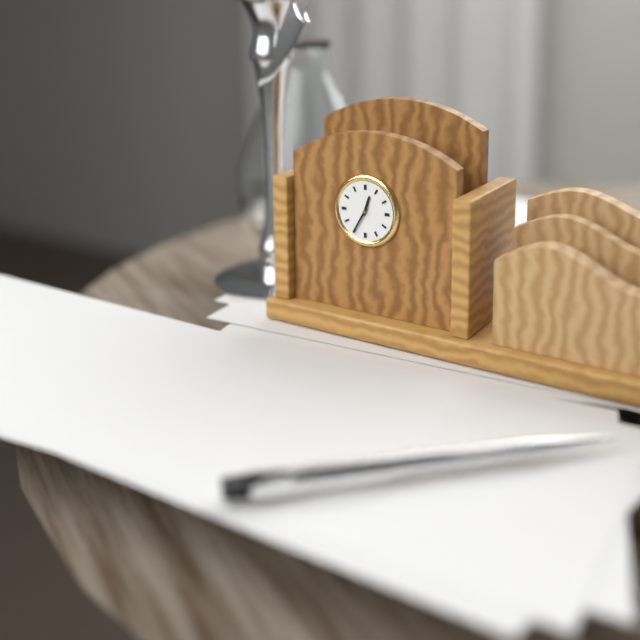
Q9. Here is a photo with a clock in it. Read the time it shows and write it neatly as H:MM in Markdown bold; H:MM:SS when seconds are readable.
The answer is **12:35**
